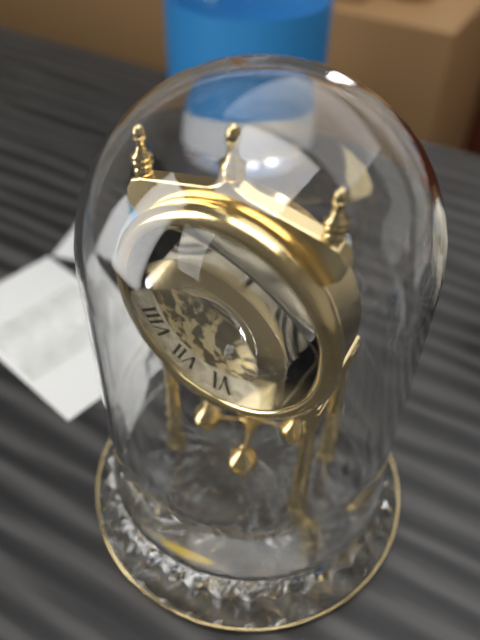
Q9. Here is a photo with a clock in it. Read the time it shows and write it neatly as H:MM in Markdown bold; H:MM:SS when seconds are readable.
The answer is **3:17**
